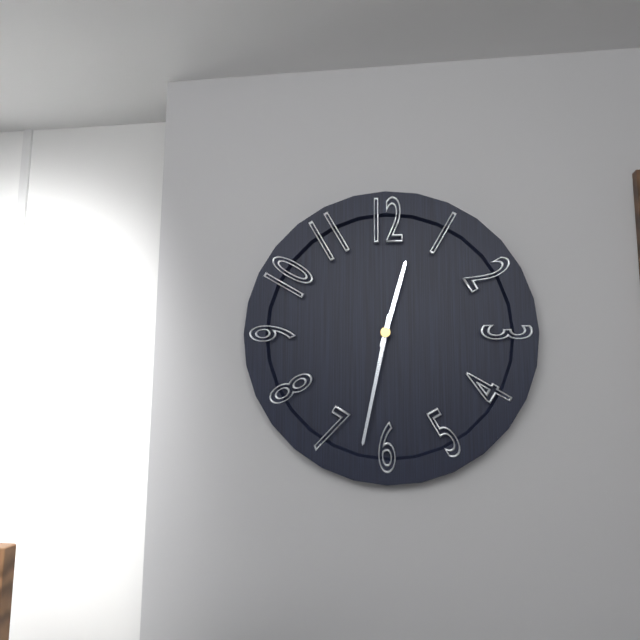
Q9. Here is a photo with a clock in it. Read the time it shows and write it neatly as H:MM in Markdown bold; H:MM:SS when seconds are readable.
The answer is **12:32**
